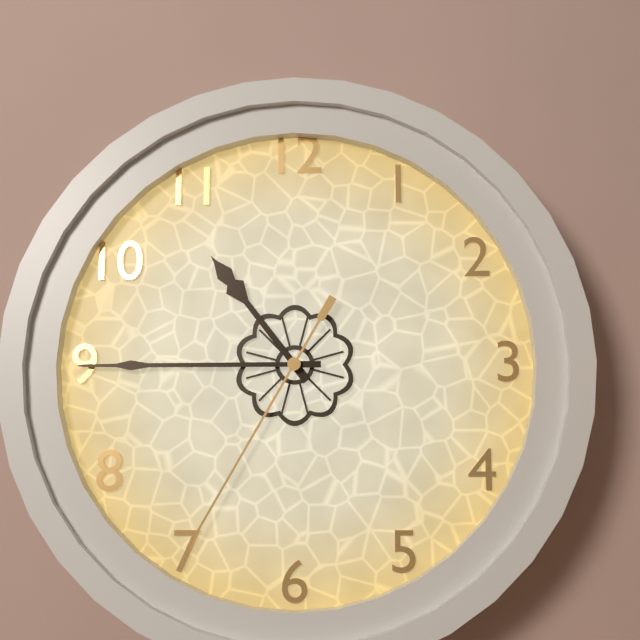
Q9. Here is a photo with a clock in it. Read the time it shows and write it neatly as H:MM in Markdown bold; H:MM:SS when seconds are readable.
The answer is **10:45:35**
